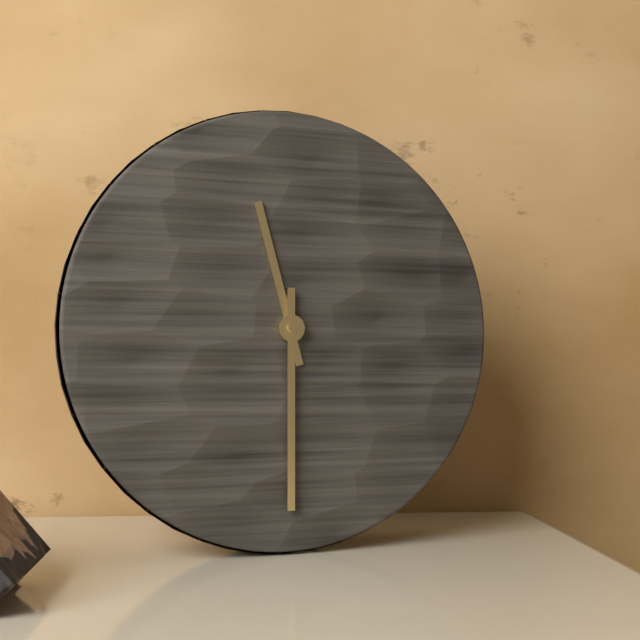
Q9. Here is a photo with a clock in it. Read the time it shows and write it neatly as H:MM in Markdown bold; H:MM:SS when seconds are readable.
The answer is **11:30**
